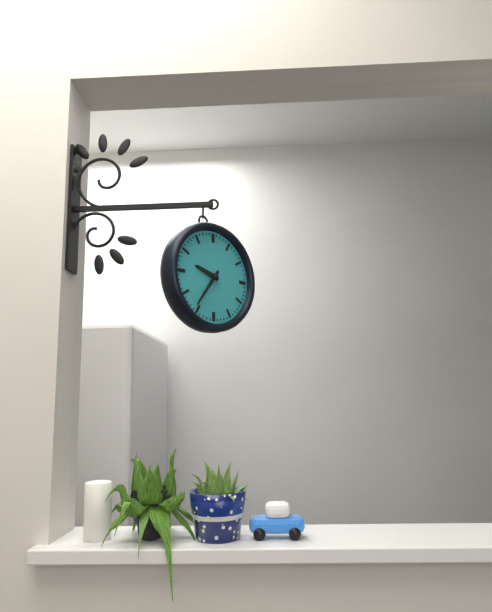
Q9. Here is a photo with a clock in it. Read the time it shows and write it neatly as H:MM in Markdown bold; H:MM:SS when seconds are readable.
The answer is **9:36**
